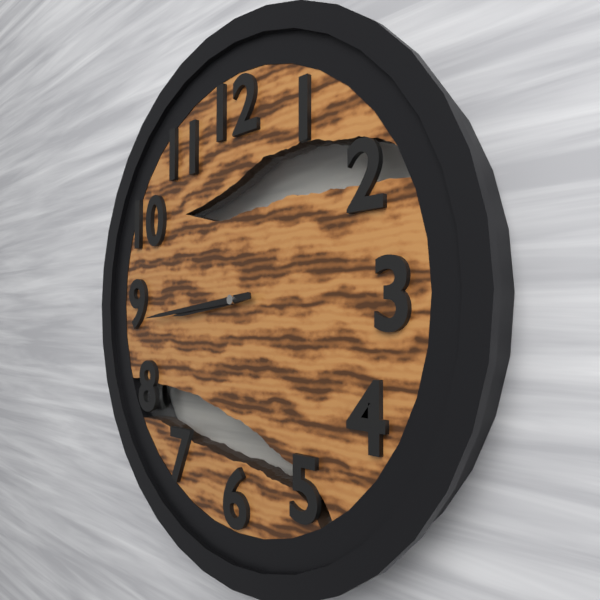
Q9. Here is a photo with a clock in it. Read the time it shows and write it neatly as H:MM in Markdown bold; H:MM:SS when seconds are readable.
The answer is **8:44**
